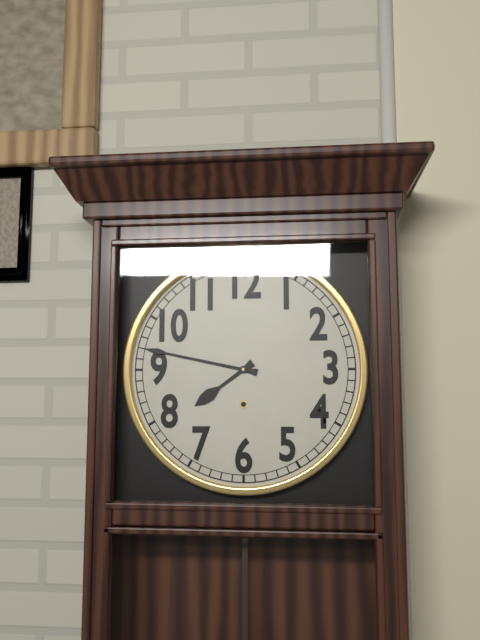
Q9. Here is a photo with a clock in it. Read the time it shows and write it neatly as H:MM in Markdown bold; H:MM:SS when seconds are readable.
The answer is **7:47**
